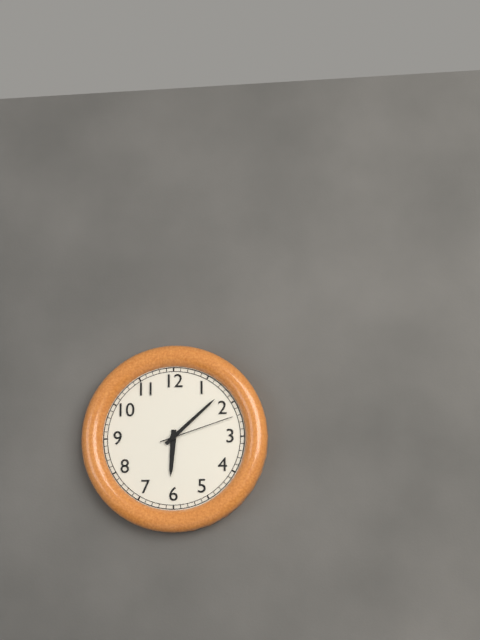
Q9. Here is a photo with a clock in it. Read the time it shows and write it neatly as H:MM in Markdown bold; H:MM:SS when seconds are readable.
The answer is **6:08:12**
